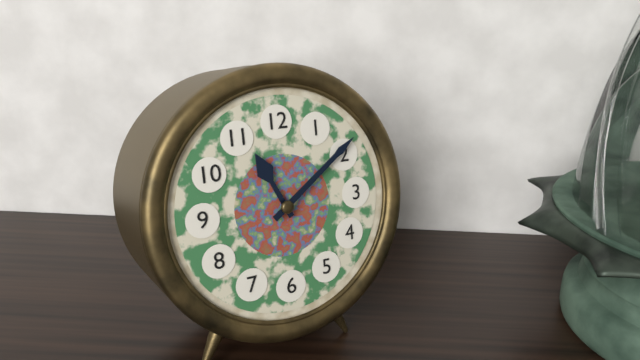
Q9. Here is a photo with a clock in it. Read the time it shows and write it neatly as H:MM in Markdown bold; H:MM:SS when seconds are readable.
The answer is **11:09**
